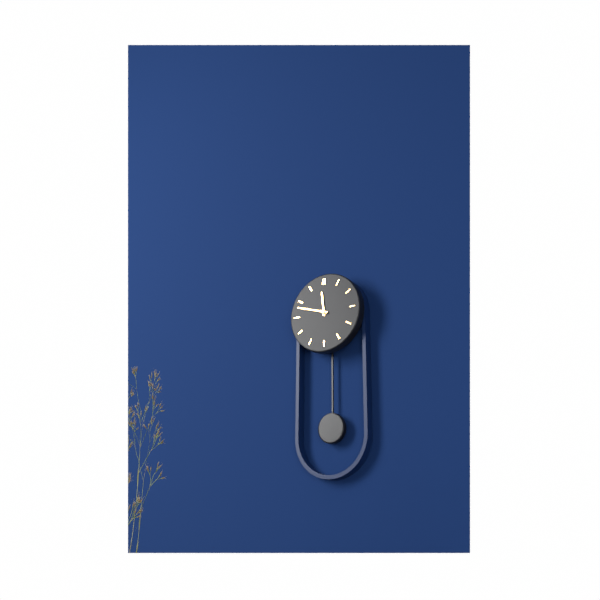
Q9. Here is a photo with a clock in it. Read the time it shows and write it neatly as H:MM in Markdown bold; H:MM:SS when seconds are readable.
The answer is **11:48**
